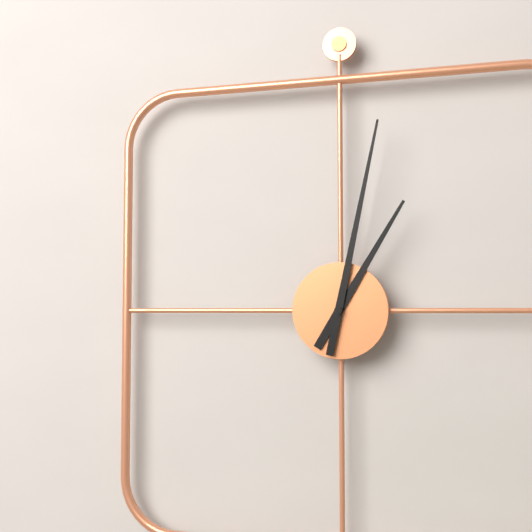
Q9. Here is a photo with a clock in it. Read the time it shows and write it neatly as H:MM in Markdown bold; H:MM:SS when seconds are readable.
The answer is **1:02**
